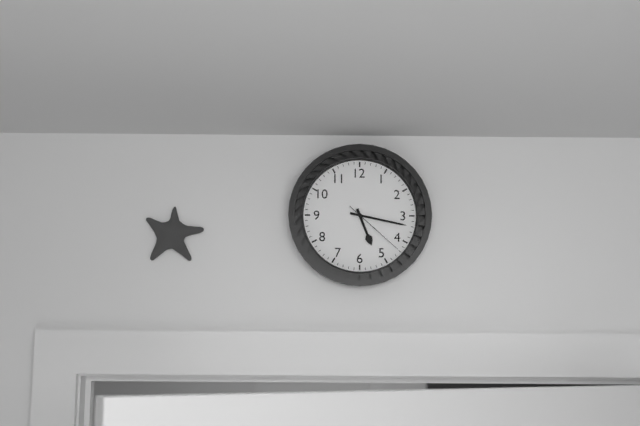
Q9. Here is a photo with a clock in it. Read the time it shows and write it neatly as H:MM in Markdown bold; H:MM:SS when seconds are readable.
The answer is **5:17:22**
